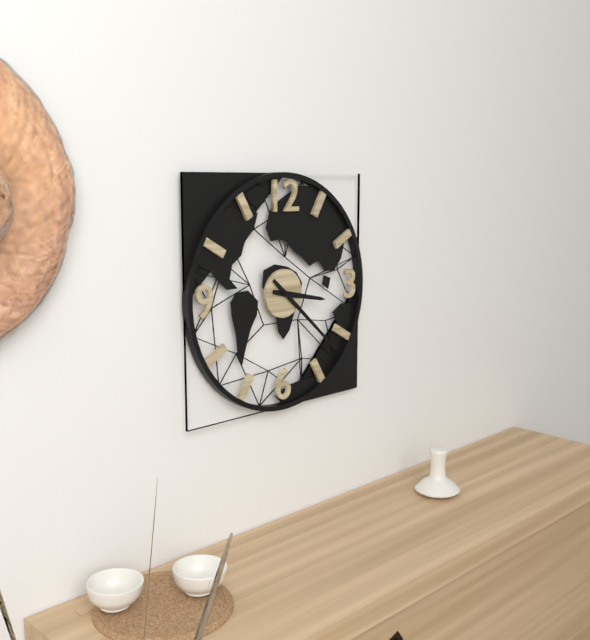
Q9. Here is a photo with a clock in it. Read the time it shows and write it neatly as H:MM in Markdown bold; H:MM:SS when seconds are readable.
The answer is **3:22**
